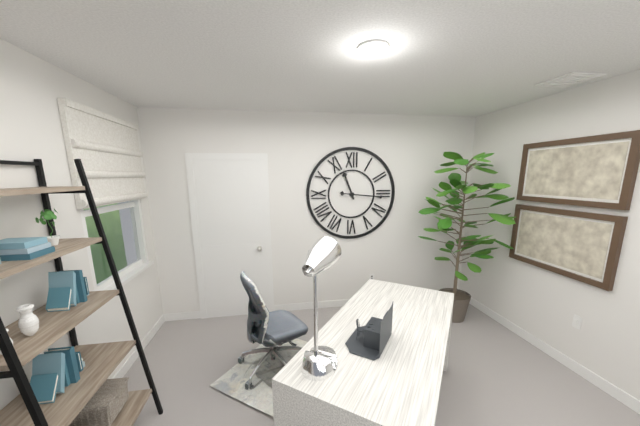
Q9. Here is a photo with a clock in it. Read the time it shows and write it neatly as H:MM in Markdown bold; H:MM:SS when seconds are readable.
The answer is **11:16**
